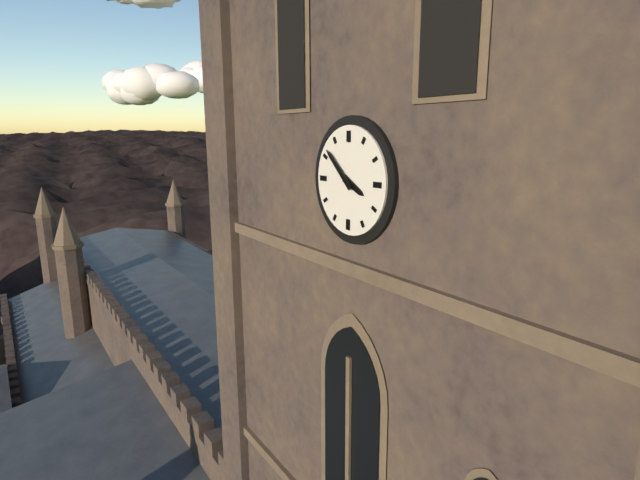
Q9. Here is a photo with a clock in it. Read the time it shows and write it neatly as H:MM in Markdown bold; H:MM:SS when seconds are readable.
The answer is **3:52**
